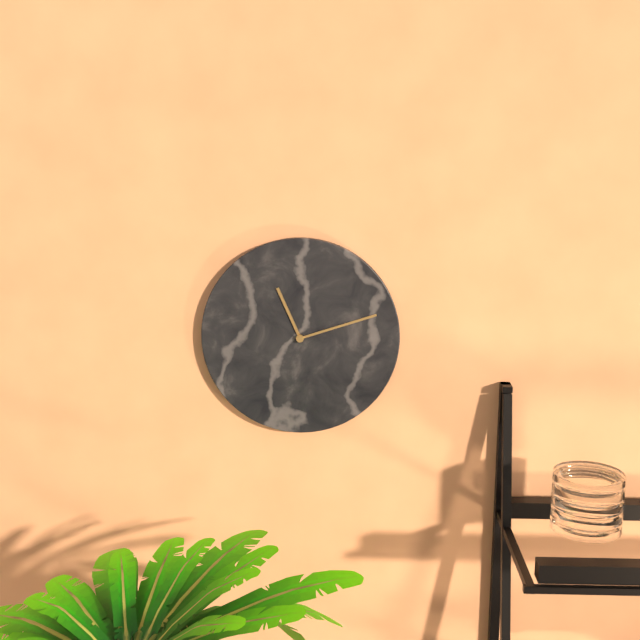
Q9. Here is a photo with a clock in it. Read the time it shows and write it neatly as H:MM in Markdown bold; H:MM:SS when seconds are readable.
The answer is **11:12**
